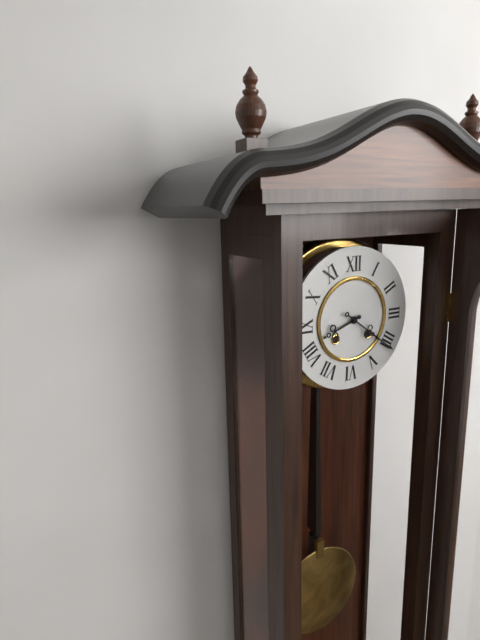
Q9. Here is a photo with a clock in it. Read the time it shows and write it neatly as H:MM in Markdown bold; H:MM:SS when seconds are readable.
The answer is **8:21**
